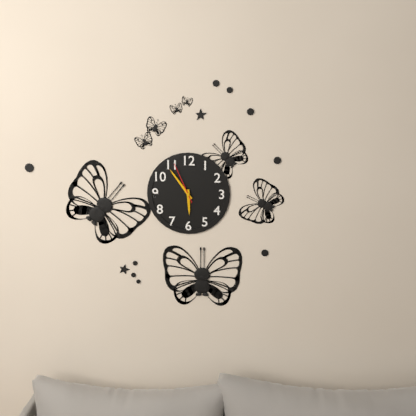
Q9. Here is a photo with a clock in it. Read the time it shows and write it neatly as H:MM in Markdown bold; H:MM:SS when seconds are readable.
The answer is **5:54**
